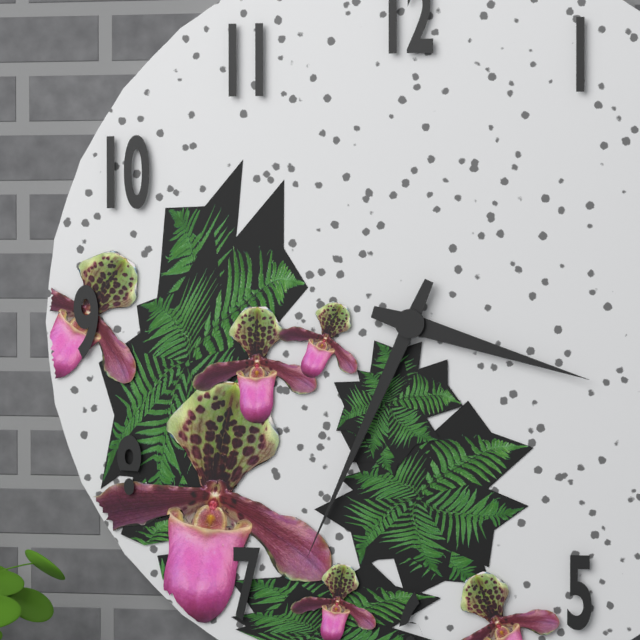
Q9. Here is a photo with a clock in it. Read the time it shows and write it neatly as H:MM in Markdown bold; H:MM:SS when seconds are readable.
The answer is **3:34**
